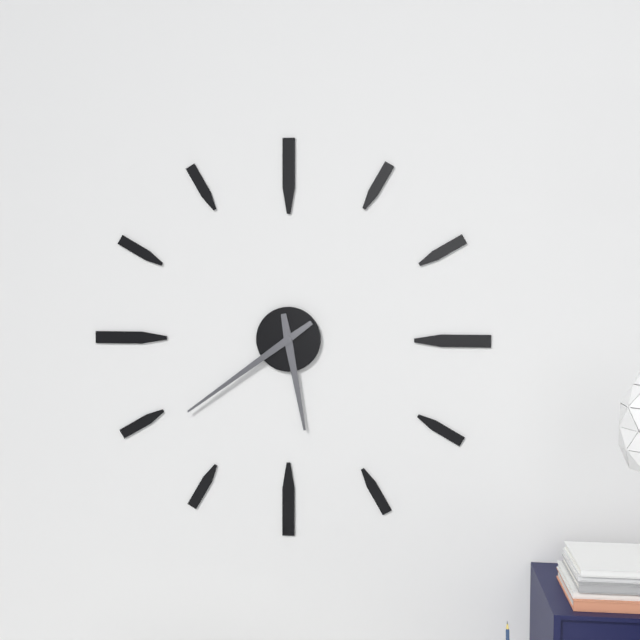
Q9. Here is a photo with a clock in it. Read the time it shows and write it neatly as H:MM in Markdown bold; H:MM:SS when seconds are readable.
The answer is **5:39**
